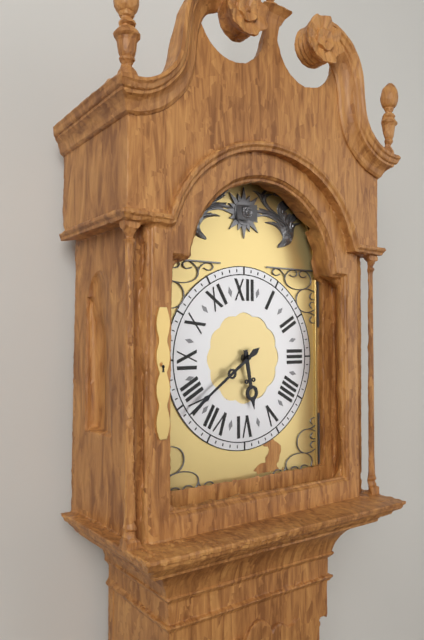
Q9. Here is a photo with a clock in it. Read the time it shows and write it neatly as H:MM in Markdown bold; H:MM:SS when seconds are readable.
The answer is **5:39**
